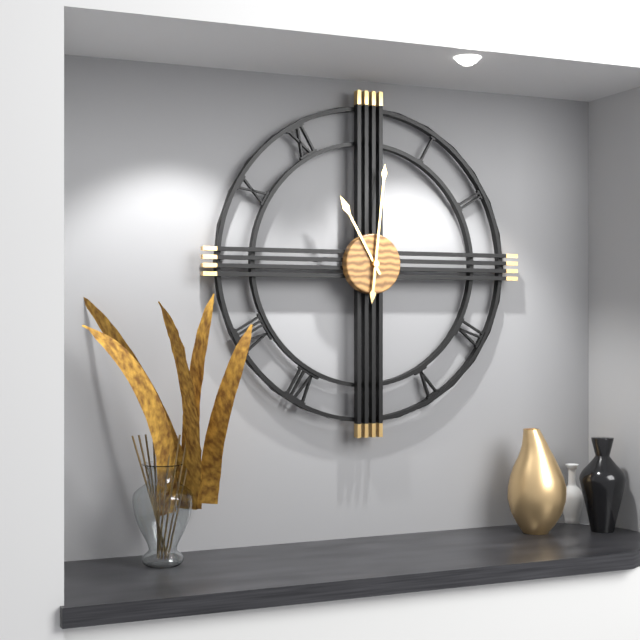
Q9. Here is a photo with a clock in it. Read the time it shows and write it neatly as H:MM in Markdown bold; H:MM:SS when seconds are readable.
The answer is **11:01**
